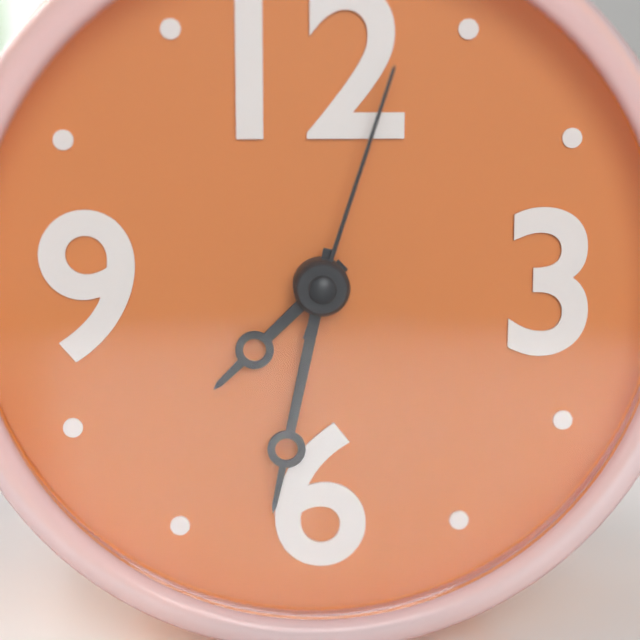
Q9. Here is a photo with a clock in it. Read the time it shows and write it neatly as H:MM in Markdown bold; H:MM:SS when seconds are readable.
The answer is **7:32:03**
